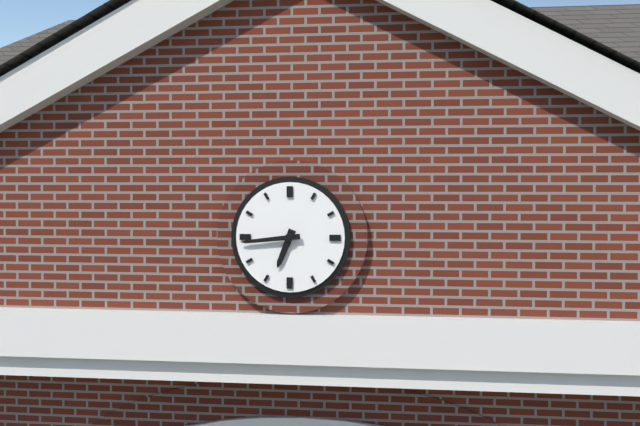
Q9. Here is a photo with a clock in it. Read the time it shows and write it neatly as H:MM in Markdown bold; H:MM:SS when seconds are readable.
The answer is **6:44**
